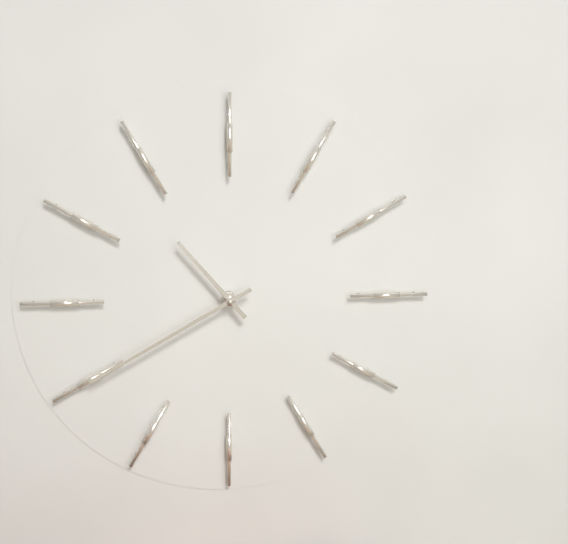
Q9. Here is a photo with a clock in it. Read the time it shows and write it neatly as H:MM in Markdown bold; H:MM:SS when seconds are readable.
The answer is **10:40**
